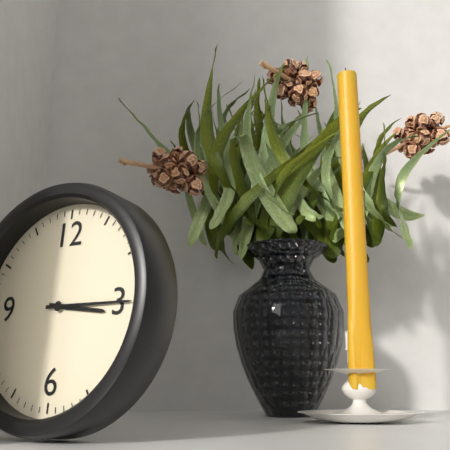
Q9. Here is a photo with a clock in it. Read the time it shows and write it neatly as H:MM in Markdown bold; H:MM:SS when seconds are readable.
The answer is **3:15**
